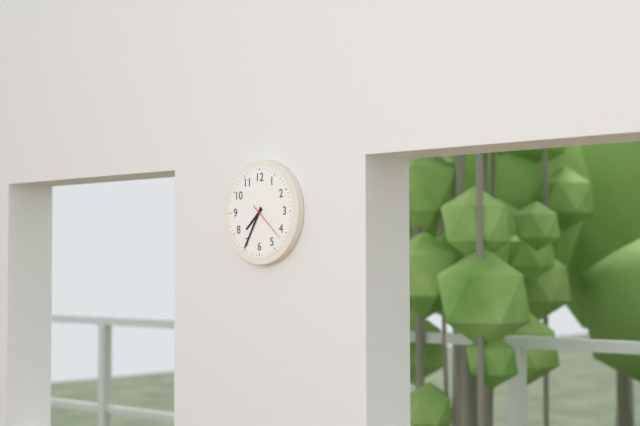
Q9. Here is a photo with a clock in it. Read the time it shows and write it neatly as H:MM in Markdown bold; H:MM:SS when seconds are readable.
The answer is **7:35**
